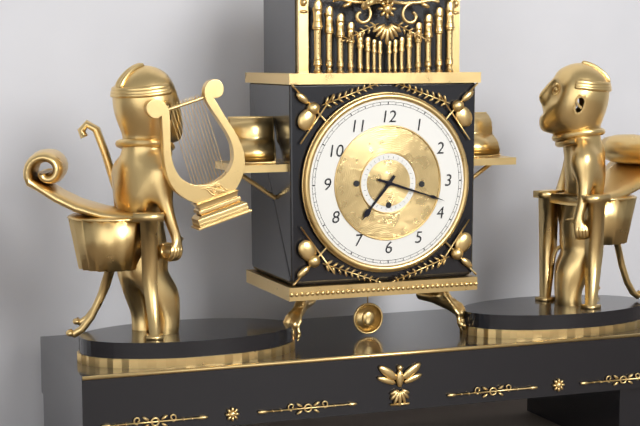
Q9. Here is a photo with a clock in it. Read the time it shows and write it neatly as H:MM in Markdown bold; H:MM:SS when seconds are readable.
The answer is **7:18**
